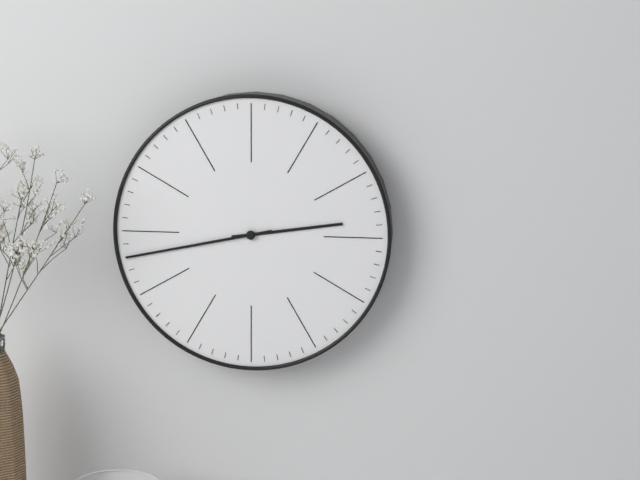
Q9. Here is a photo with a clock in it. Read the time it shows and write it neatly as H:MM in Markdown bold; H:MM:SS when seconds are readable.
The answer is **2:43**
